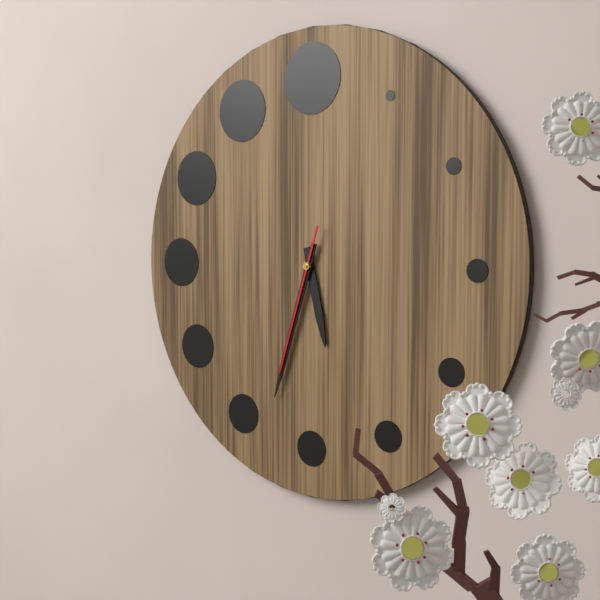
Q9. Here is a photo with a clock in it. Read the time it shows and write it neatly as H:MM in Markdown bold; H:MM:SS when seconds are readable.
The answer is **5:33:33**
